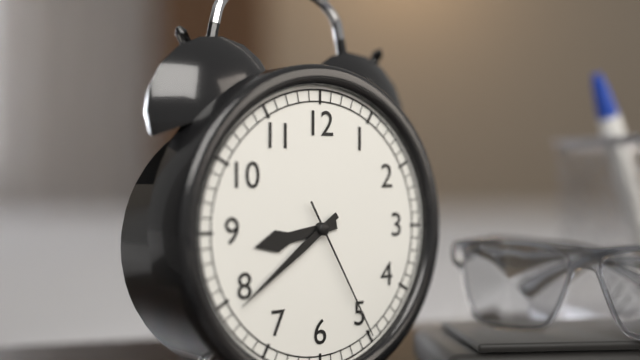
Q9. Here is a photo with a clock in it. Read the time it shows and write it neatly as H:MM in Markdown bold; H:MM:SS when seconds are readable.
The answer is **8:39:25**
